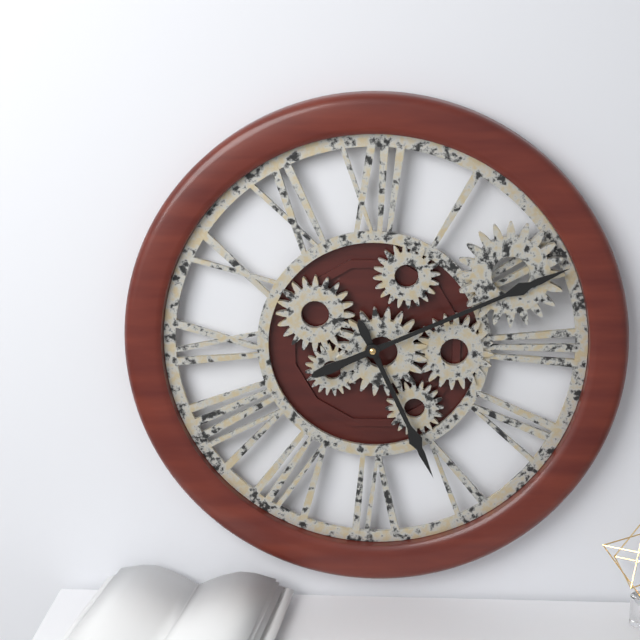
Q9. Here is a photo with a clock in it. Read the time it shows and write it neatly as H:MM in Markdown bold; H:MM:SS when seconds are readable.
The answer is **5:11**
